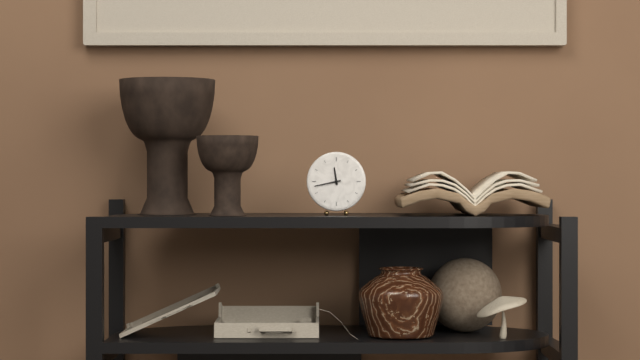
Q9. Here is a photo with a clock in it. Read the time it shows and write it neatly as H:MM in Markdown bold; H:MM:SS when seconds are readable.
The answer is **11:43**
